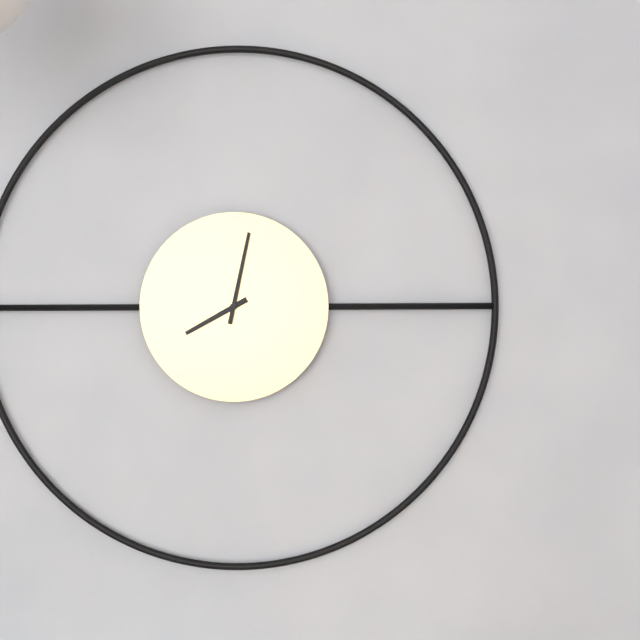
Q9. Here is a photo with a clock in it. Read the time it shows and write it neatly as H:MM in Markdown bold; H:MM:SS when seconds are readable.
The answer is **8:02**
